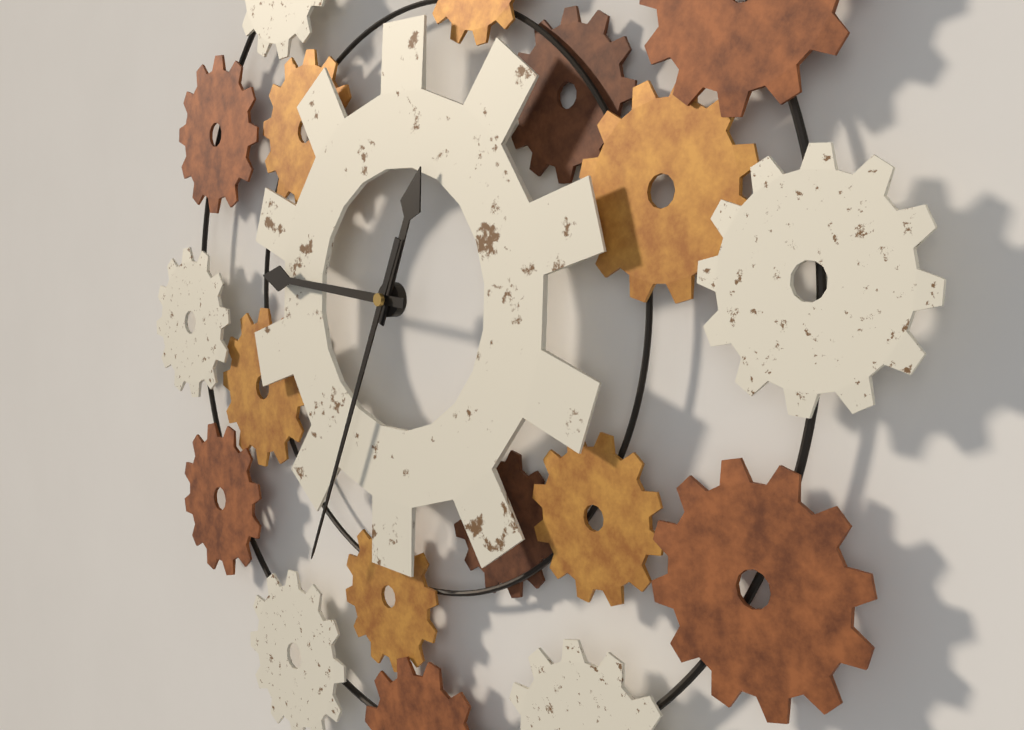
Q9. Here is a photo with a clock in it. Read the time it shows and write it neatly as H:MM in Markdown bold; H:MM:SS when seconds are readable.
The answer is **12:46:34**
